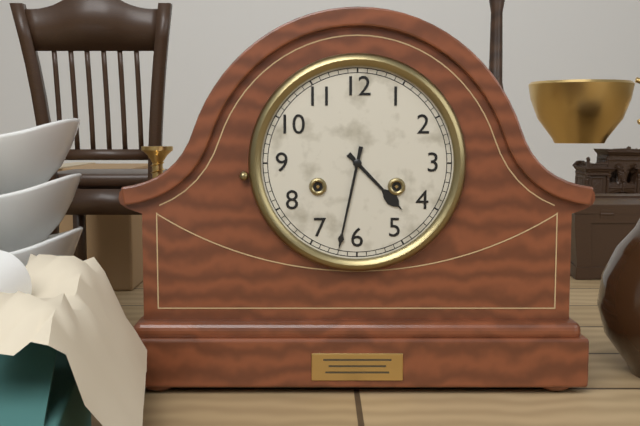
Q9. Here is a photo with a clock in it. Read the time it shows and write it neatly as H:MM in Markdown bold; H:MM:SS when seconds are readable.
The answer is **4:32**
